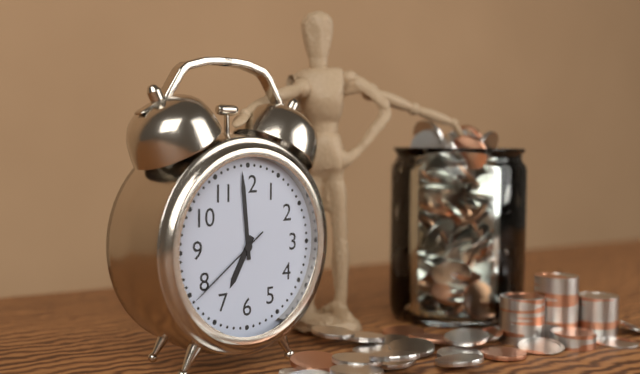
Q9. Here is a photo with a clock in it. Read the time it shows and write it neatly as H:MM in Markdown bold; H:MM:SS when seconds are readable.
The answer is **6:59:39**
